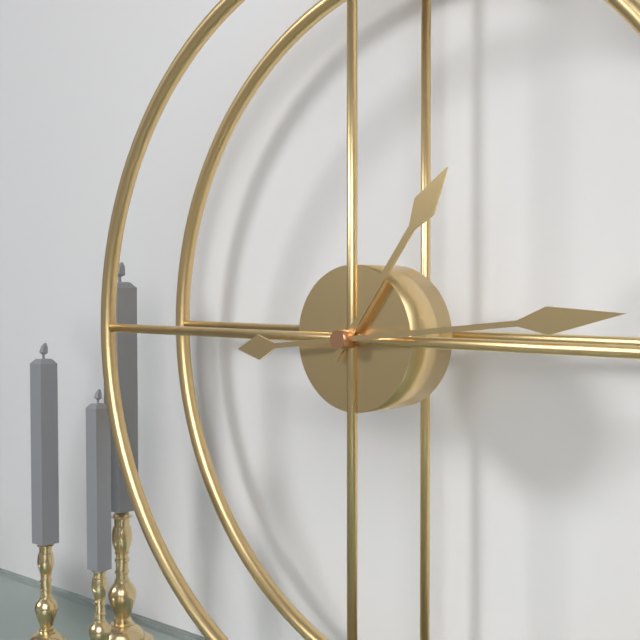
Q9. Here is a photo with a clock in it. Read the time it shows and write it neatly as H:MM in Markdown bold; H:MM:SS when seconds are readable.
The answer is **1:14**
